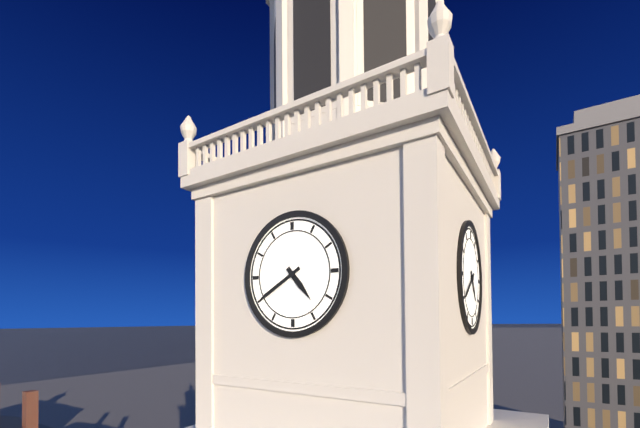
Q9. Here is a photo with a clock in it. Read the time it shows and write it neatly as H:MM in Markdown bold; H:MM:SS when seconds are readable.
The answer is **4:40**
